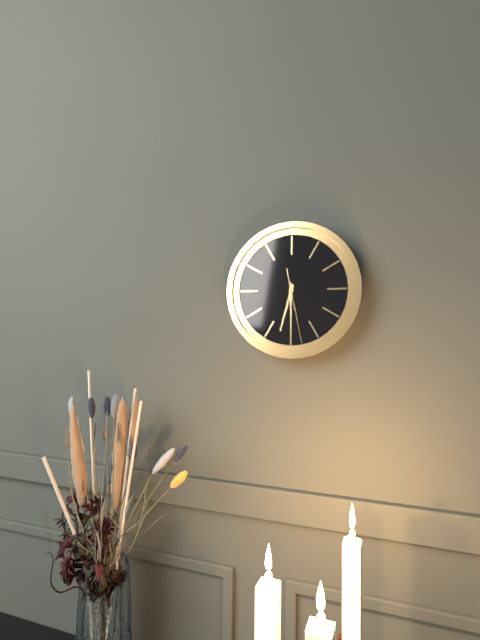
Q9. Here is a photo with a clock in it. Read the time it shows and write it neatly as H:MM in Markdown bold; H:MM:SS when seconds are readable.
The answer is **6:30:28**
